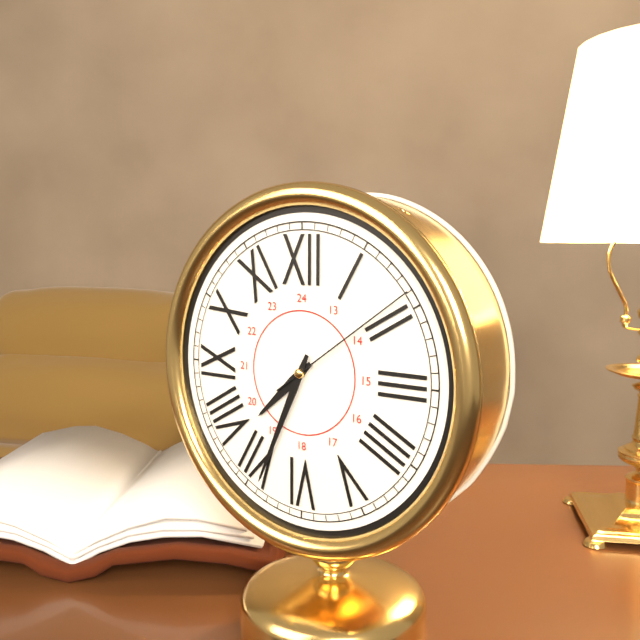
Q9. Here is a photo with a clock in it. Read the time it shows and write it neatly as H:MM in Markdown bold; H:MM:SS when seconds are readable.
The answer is **7:34:09**
